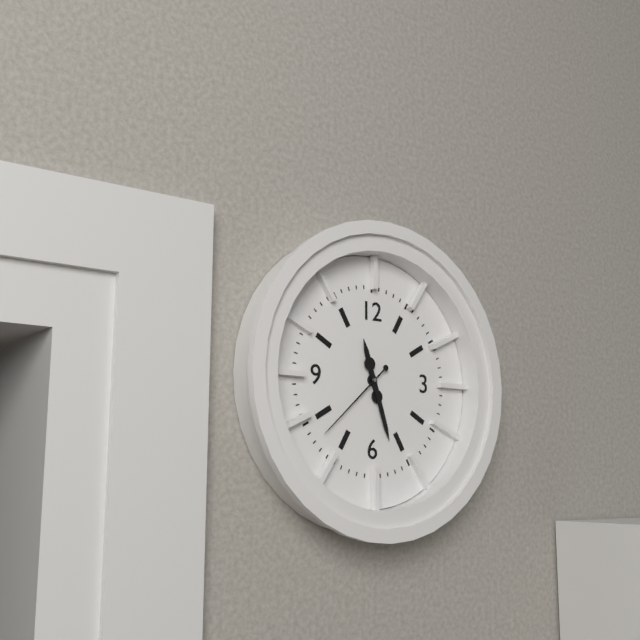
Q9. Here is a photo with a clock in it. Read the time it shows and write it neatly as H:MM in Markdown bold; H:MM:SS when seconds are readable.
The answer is **11:27:38**
